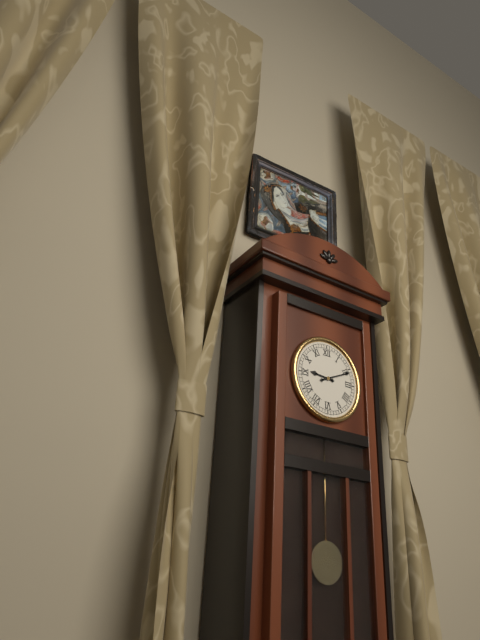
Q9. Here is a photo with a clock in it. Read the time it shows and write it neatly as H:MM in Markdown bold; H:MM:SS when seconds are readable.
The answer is **9:11**
